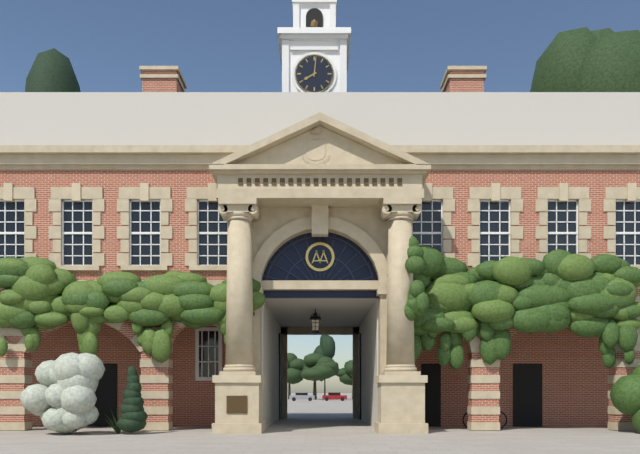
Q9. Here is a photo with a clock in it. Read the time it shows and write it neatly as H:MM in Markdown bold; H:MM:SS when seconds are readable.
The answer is **8:01**
